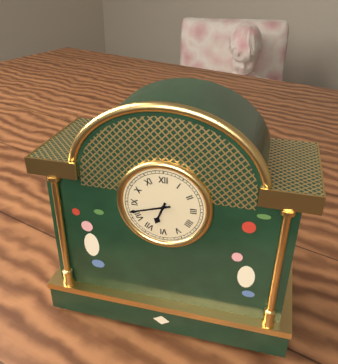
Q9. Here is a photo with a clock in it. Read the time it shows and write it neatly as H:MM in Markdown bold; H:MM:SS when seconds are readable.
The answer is **6:42**
